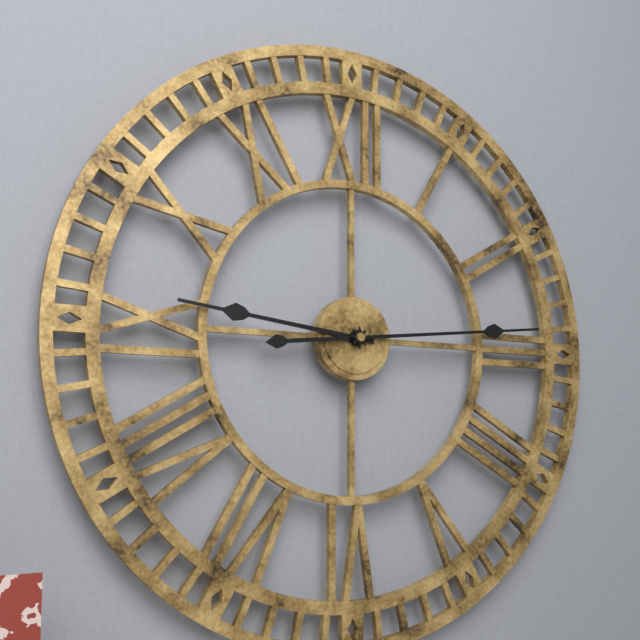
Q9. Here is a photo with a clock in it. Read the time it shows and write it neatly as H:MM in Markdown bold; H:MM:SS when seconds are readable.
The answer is **9:14**
